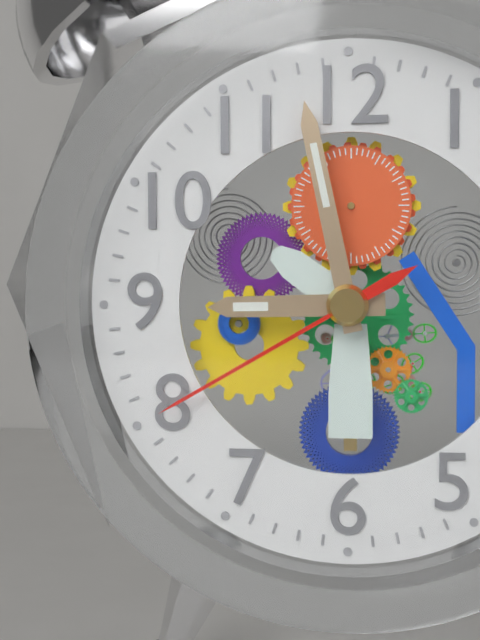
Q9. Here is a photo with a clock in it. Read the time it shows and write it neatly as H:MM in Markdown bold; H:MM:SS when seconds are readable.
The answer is **8:58:40**
